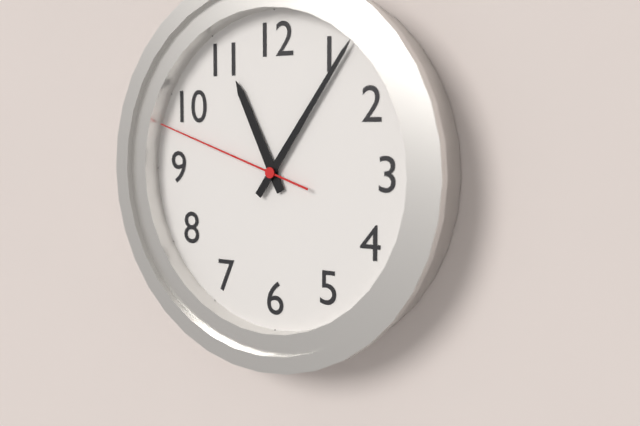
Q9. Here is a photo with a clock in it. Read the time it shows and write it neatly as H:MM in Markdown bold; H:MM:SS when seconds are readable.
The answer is **11:06:48**
